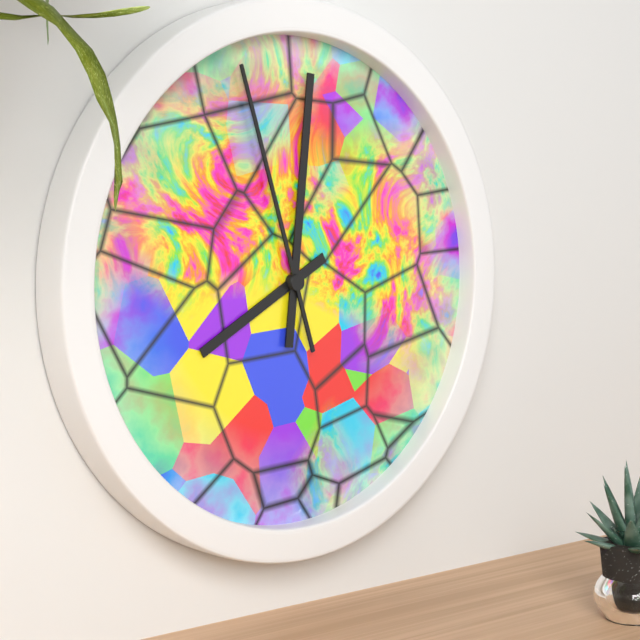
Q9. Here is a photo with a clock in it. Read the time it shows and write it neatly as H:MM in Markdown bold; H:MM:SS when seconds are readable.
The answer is **8:01:57**
